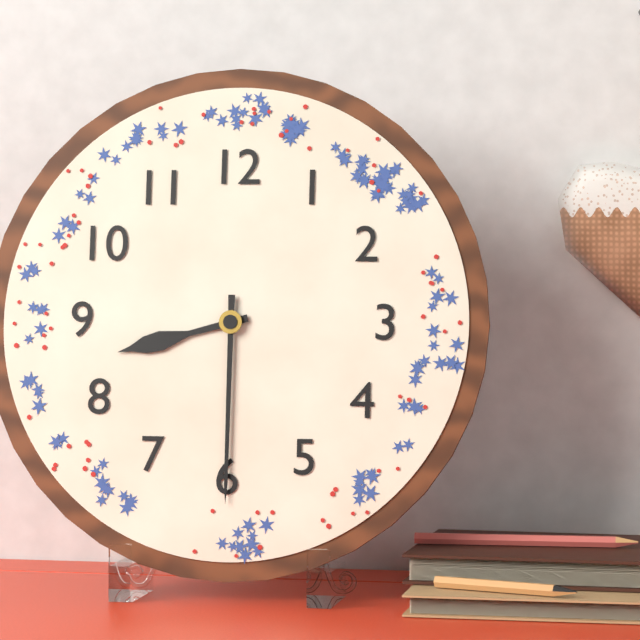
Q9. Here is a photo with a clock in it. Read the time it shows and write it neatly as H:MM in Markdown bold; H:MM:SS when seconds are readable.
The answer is **8:30**
